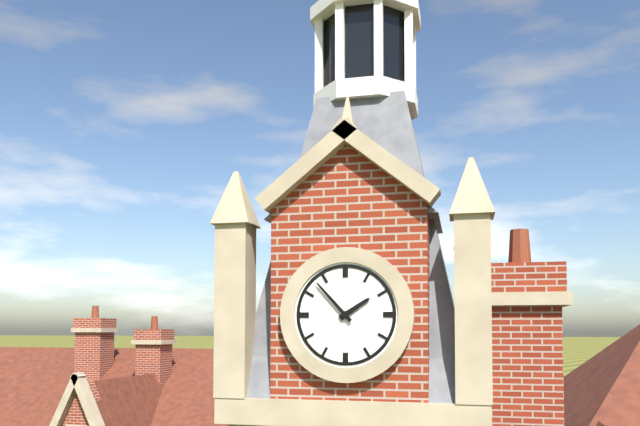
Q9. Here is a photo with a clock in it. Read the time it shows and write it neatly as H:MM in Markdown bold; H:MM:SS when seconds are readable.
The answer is **1:53**
